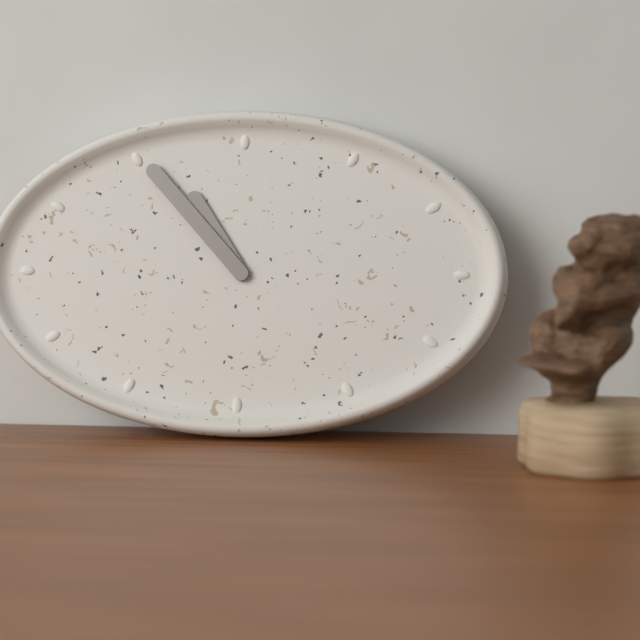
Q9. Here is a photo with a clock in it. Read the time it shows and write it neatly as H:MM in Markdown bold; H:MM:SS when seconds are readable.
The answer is **10:53**
